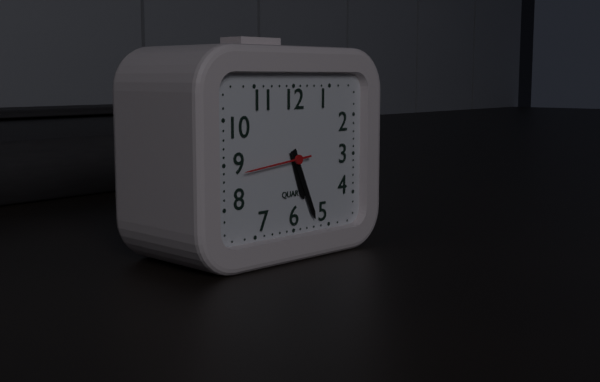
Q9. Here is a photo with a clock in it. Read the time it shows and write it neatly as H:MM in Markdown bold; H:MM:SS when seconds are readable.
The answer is **5:26:44**
